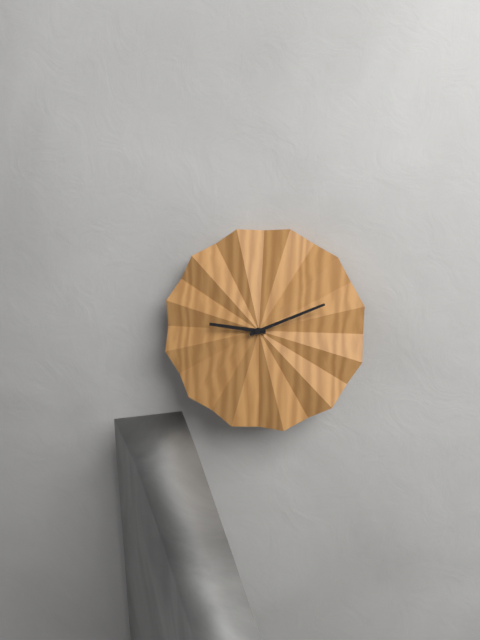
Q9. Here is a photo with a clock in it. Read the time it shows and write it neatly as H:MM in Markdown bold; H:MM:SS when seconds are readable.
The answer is **9:11**
